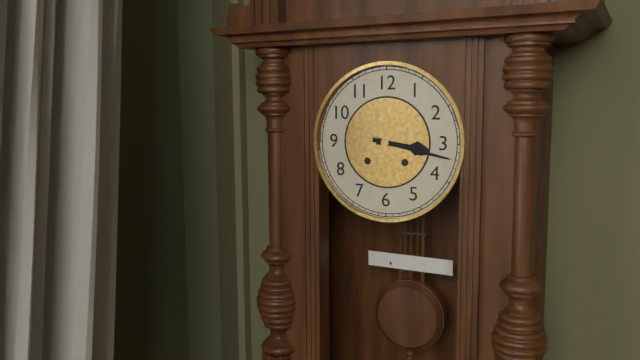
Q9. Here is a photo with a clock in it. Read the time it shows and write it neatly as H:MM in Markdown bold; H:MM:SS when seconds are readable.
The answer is **3:17**
